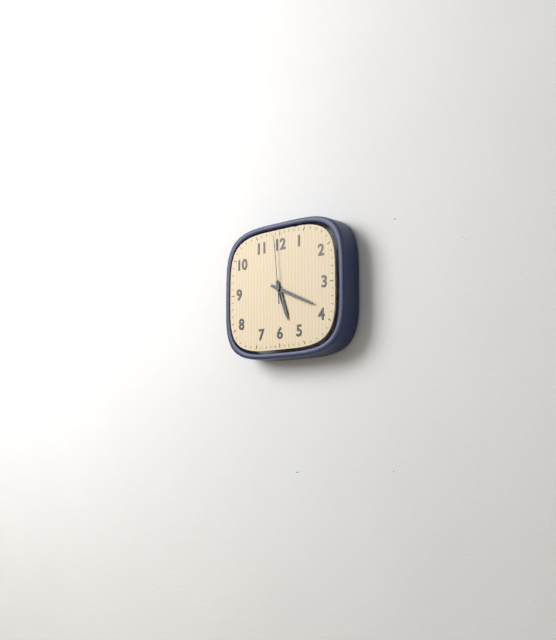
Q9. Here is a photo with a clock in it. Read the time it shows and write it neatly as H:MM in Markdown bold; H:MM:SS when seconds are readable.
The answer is **5:19:59**
